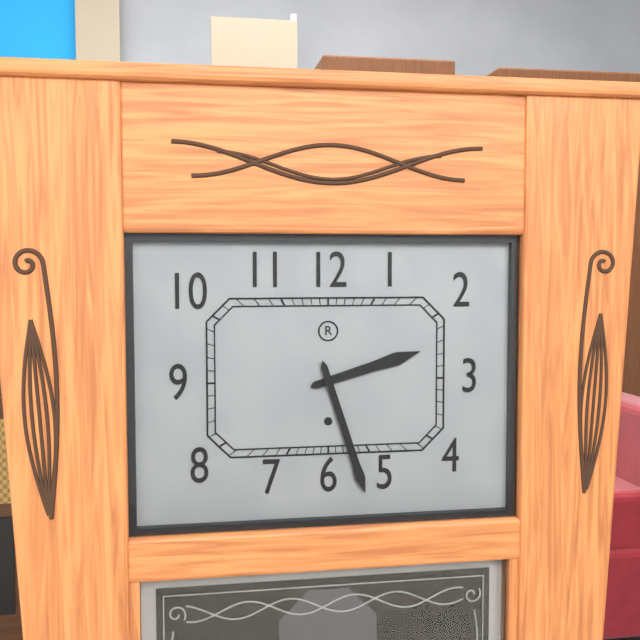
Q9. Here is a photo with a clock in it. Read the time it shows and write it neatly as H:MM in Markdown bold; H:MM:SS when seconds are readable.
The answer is **2:27**
